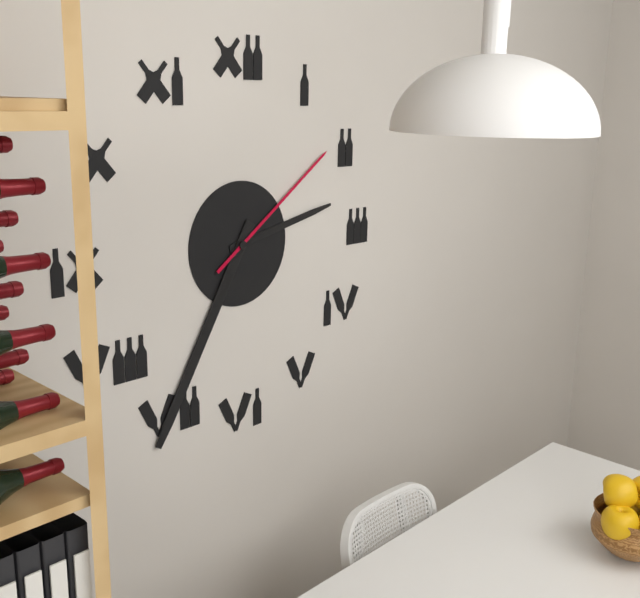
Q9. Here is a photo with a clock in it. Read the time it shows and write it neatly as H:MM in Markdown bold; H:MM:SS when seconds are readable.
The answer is **2:35:09**
